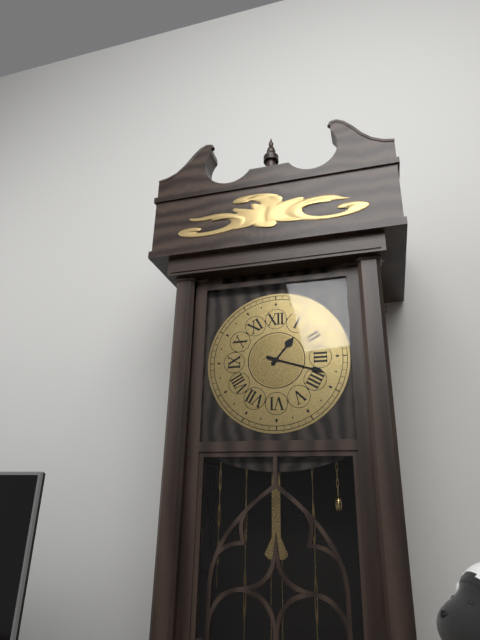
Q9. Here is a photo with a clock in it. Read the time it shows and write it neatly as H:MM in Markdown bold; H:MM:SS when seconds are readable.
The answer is **1:18**
